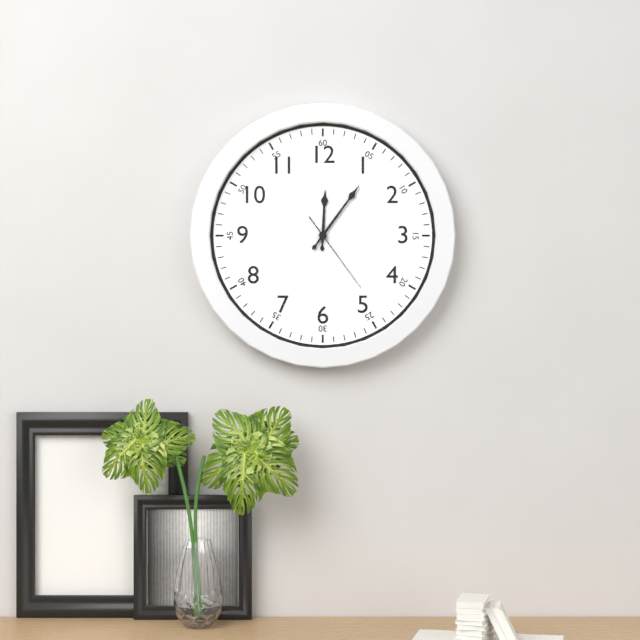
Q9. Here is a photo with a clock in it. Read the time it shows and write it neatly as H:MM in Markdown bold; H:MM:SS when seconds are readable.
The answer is **12:06:24**
